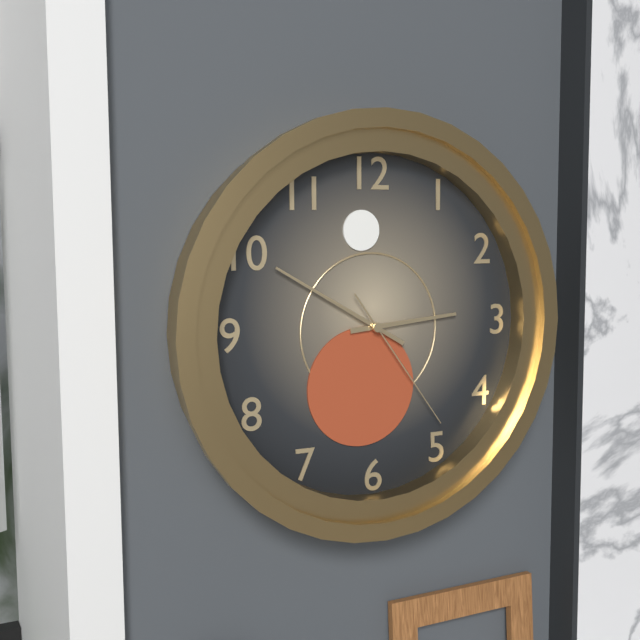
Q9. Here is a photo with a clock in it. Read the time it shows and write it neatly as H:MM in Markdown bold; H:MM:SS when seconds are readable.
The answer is **2:50:24**
